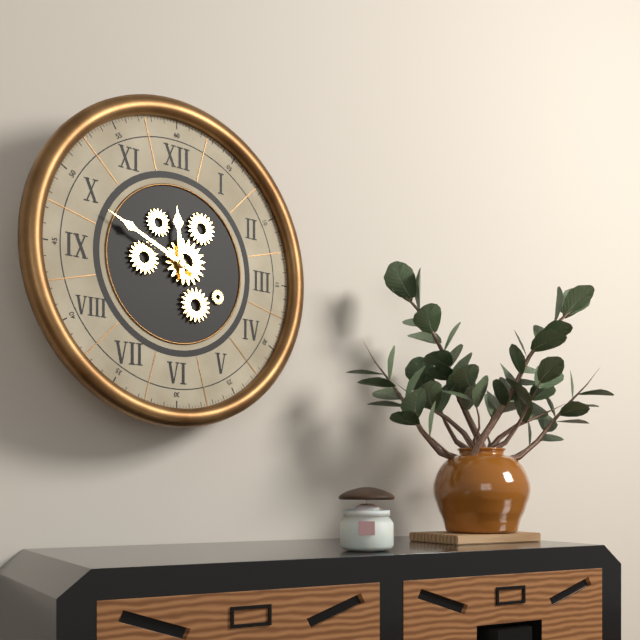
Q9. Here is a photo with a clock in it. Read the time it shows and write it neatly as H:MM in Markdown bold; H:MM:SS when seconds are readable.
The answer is **11:49**
